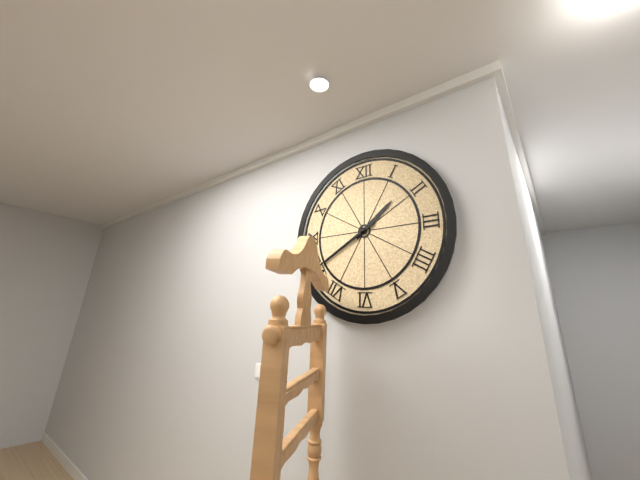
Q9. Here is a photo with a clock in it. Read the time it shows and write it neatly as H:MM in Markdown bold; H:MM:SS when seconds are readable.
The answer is **1:40**
